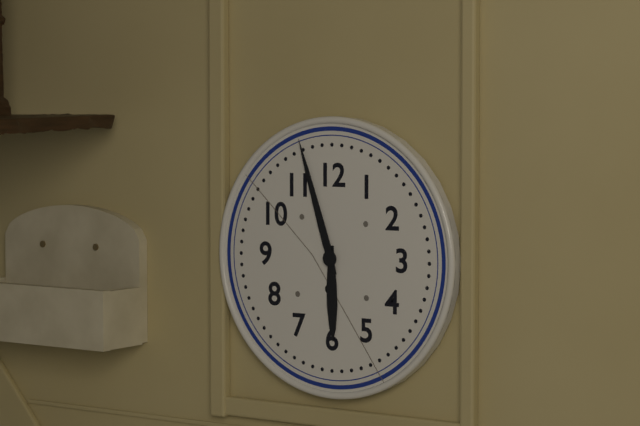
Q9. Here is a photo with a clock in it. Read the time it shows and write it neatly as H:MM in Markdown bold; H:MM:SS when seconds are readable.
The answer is **5:57**
